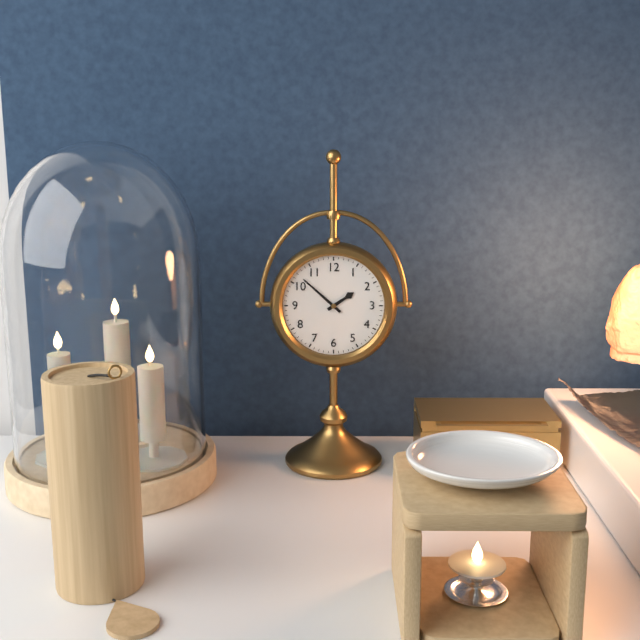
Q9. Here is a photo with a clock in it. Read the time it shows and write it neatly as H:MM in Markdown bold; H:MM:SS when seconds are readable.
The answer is **1:52**
